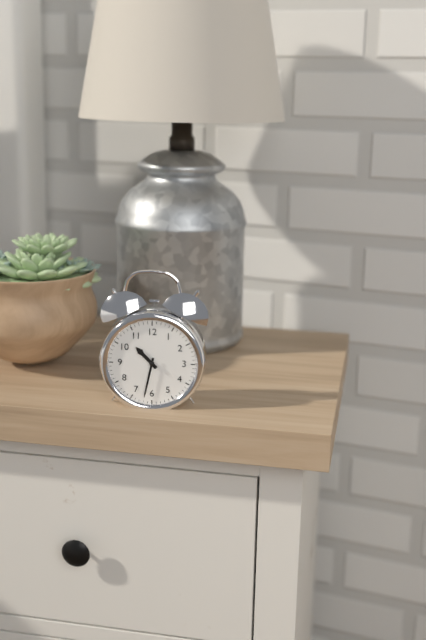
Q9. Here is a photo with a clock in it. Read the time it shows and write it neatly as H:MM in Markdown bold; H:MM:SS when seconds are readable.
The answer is **10:32**
